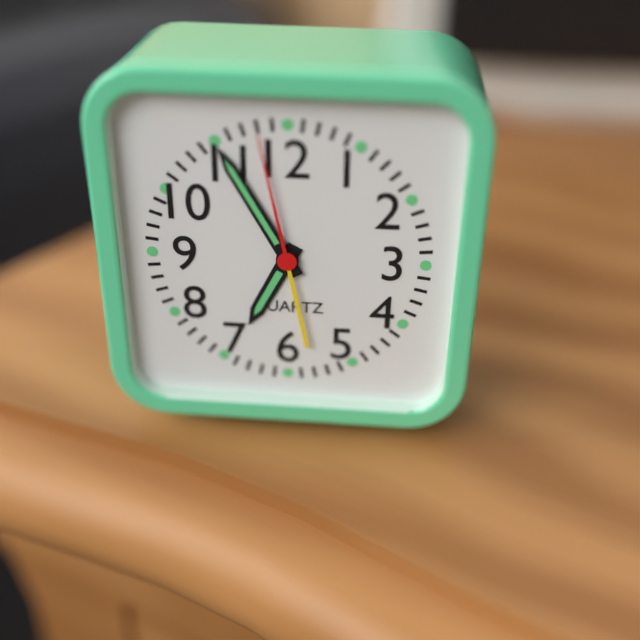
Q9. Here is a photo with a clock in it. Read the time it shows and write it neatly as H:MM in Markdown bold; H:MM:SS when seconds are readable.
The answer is **6:55:58**
